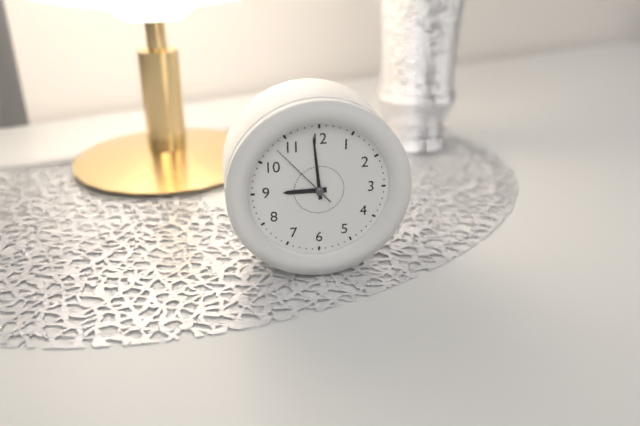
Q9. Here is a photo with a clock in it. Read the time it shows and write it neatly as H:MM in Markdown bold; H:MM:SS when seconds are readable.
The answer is **8:59:53**
